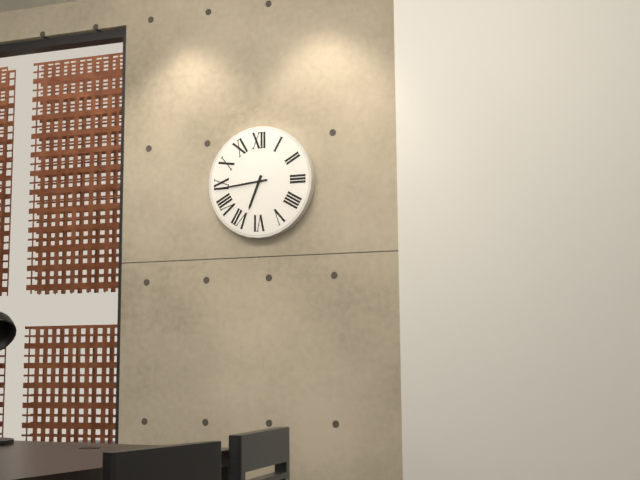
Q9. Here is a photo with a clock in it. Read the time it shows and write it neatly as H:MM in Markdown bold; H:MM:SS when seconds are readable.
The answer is **6:44**
